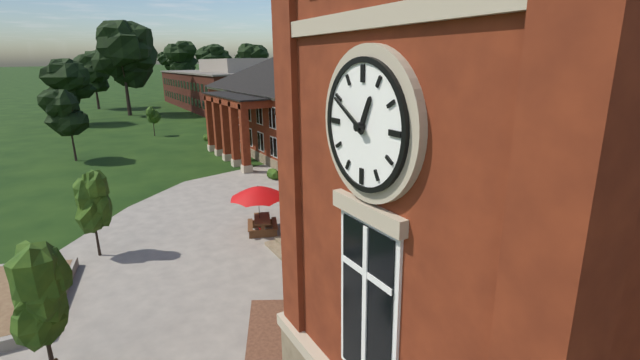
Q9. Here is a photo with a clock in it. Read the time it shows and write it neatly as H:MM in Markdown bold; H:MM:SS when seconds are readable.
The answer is **12:50**
